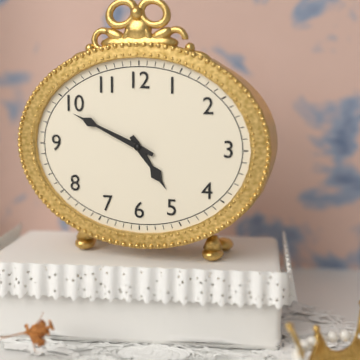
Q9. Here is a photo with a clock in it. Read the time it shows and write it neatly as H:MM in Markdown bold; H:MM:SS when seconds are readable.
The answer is **4:49**
